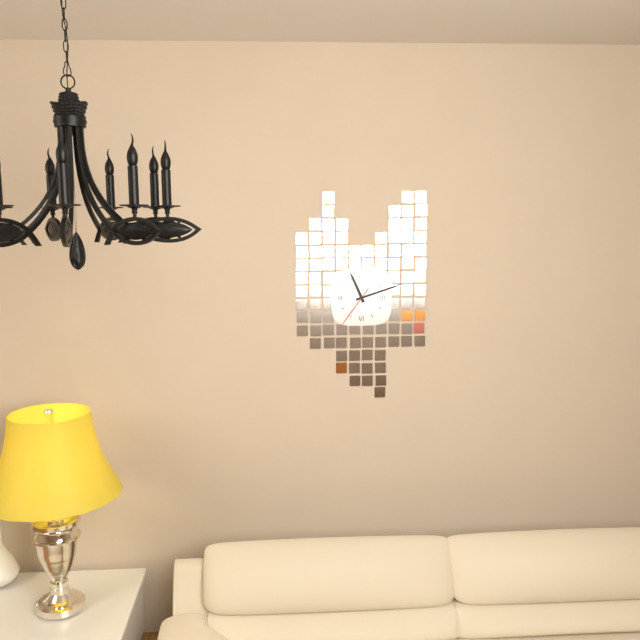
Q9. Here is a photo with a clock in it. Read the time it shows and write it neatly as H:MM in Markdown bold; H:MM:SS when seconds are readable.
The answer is **11:12**
